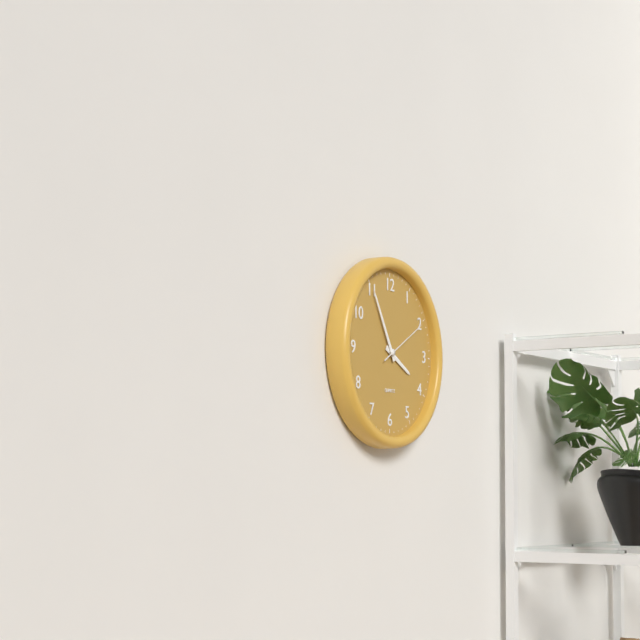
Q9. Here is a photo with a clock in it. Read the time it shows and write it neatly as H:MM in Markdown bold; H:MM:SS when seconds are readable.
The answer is **3:55:10**
